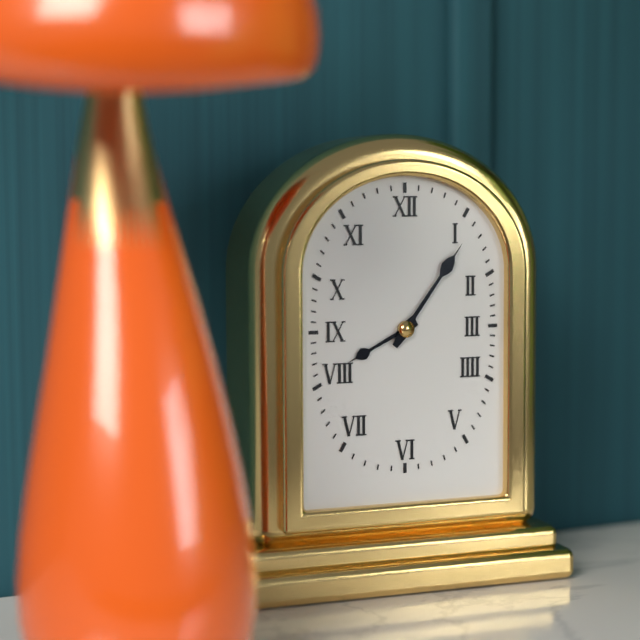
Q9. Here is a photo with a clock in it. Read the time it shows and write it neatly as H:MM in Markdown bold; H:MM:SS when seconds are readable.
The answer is **8:06**
